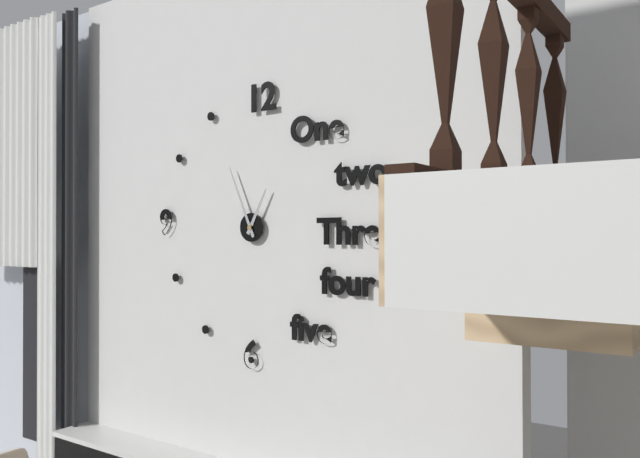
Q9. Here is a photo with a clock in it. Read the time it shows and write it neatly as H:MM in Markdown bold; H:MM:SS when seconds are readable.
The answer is **12:56**
